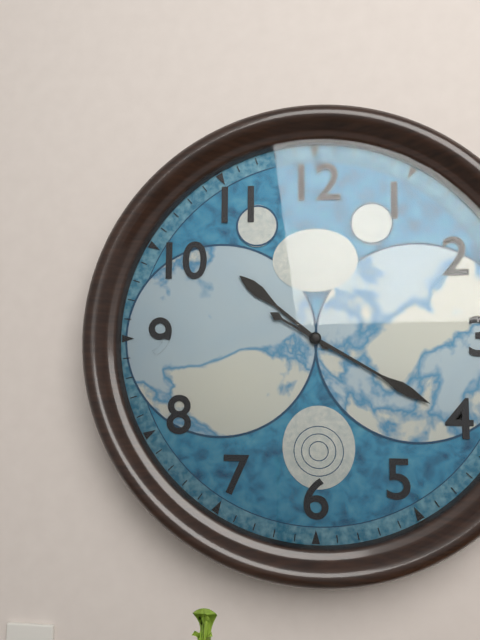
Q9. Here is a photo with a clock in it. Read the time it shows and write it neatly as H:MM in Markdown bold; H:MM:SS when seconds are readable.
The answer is **10:20**
